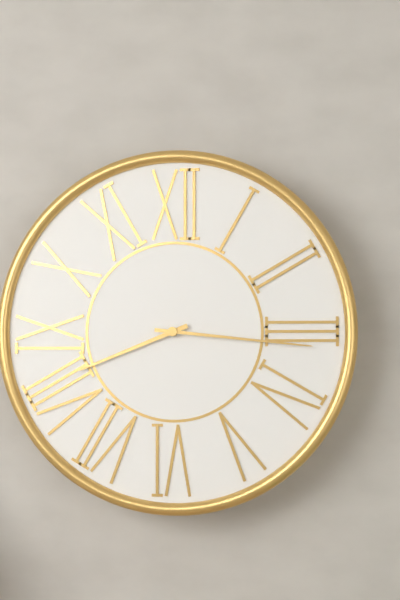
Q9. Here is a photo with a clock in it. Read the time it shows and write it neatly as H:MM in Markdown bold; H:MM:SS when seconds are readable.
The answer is **8:16**
